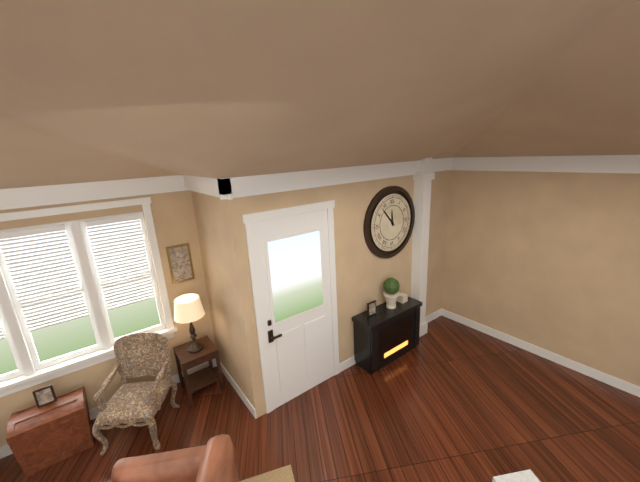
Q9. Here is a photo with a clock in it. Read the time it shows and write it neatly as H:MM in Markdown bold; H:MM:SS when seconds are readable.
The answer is **11:53**
